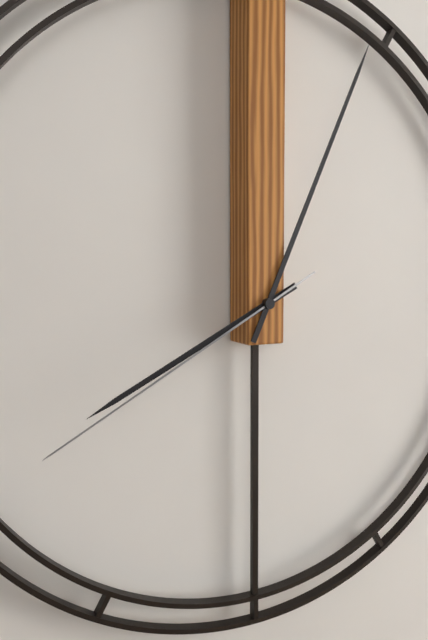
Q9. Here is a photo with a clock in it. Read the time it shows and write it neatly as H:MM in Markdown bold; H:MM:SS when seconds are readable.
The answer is **8:04:40**
